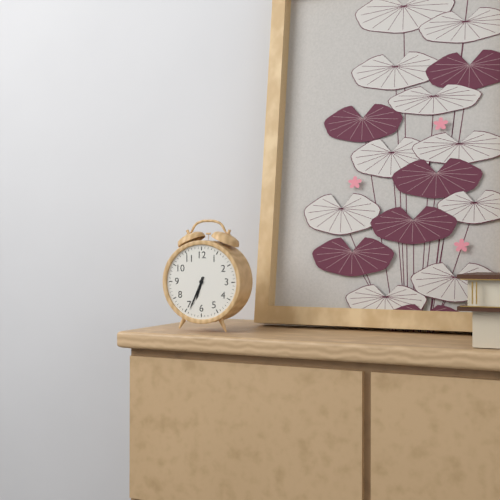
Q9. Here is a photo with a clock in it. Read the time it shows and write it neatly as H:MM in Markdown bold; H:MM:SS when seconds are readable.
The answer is **6:34**
